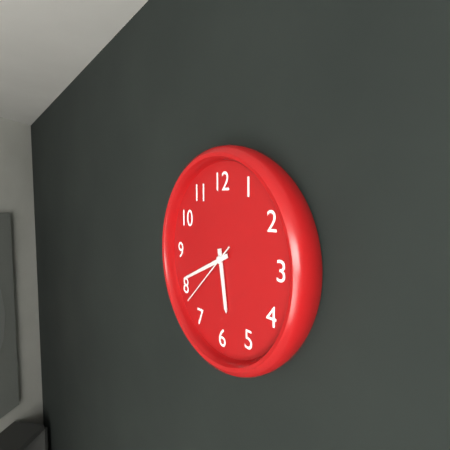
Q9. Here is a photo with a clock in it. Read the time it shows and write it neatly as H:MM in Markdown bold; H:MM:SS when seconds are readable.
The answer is **5:41:38**
